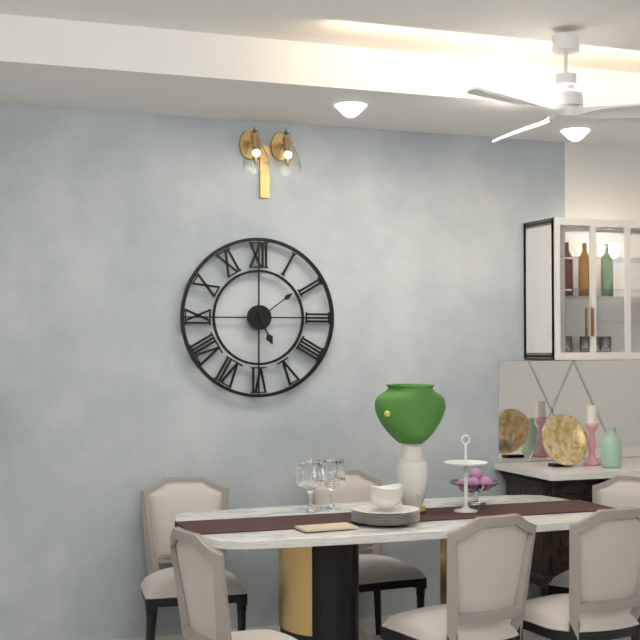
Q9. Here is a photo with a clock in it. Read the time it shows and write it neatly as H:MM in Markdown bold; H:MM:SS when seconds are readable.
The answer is **5:09**
